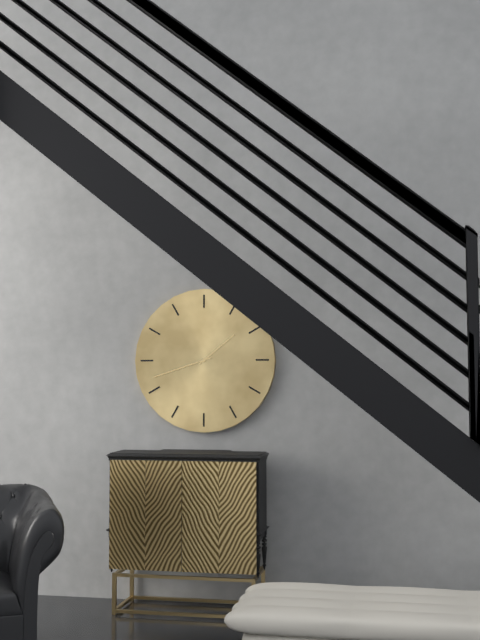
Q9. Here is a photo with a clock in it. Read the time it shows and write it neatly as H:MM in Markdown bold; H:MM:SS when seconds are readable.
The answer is **1:42**
